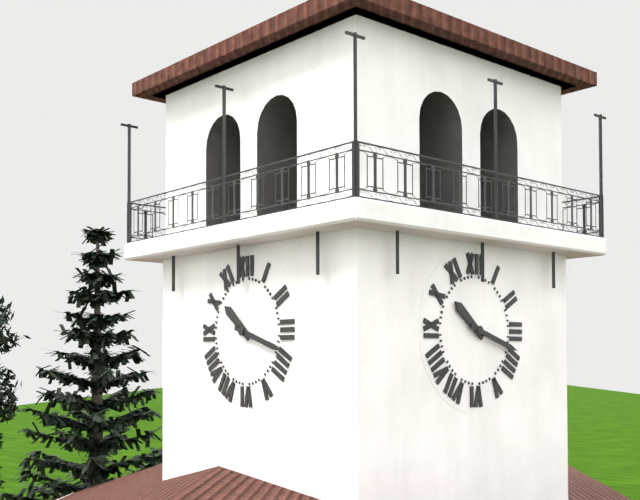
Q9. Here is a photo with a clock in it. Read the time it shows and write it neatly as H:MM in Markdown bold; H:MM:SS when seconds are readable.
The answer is **10:18**
